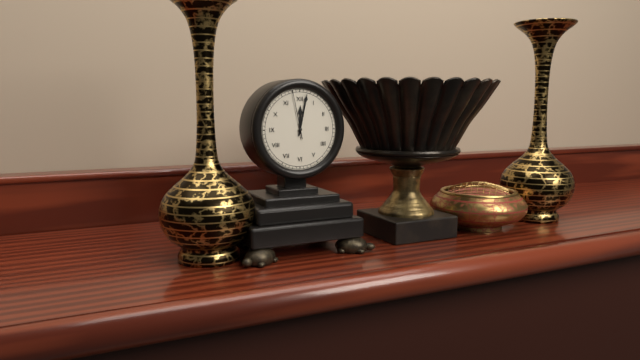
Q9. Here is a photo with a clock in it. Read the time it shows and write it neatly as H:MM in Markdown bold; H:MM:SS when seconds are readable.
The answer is **12:02:58**
